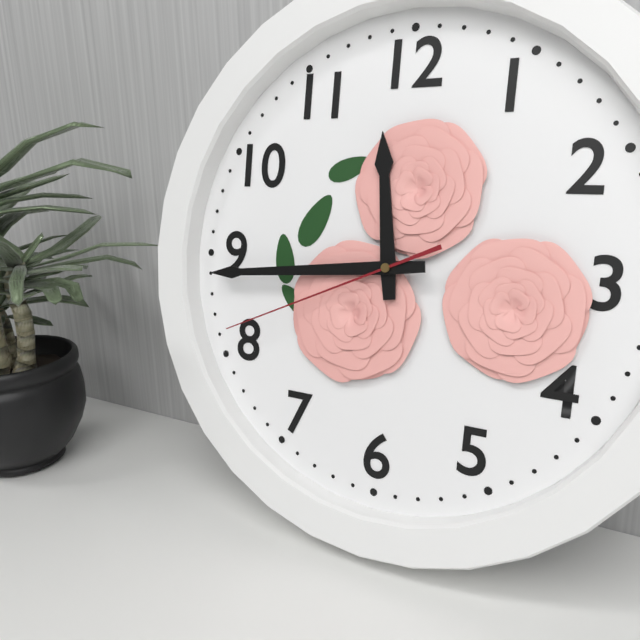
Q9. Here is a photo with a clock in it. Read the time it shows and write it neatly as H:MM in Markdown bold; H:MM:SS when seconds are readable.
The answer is **11:44:41**
